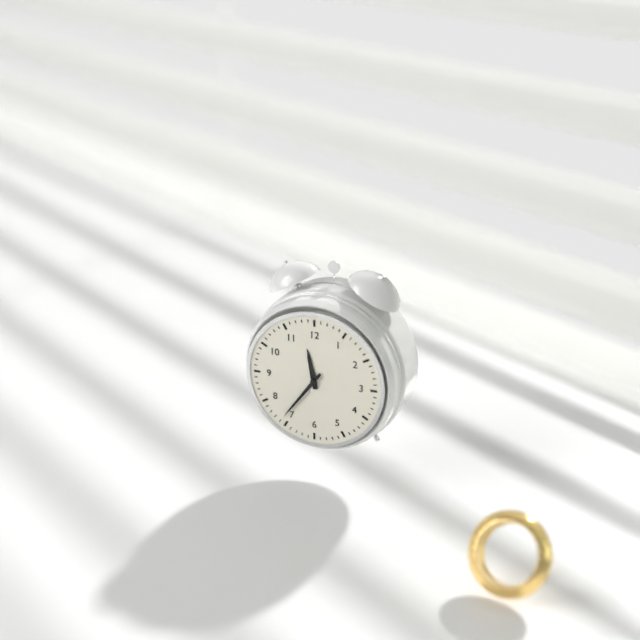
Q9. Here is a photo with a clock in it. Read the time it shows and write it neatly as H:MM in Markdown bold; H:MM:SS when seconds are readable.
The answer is **11:36**
